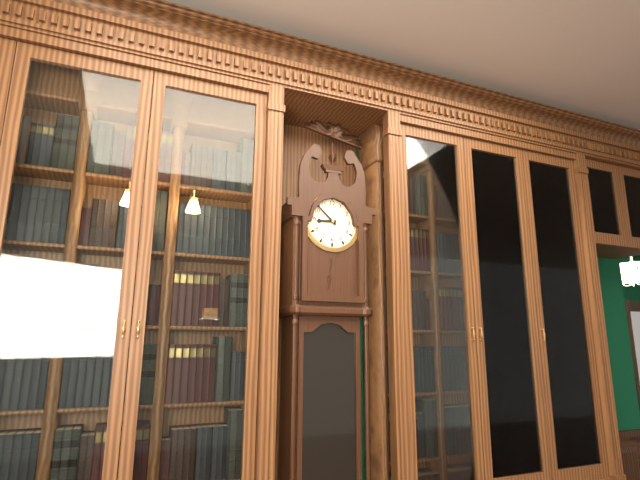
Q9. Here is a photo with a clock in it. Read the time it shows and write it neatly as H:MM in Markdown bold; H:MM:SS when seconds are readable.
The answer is **8:52**
